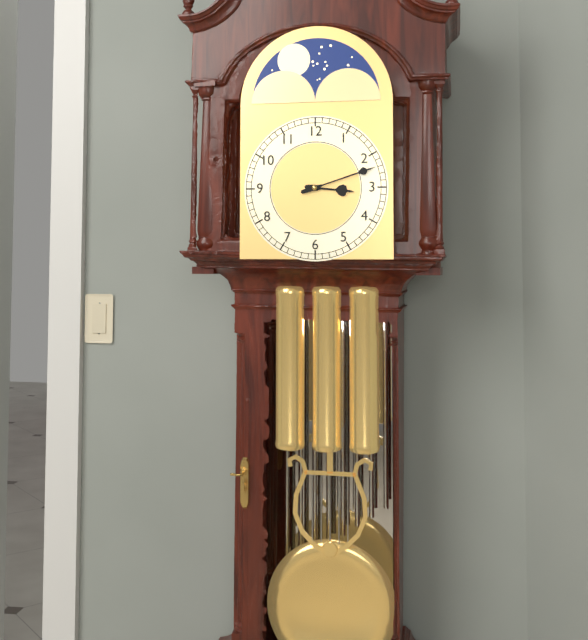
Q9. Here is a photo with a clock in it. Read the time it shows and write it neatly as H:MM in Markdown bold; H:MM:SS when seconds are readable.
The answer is **3:12**
